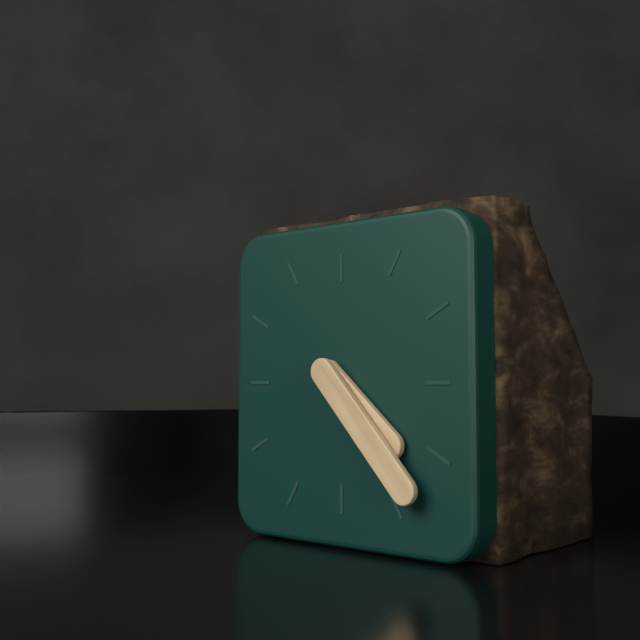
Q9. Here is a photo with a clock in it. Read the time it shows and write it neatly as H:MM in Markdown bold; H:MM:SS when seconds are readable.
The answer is **4:23**
